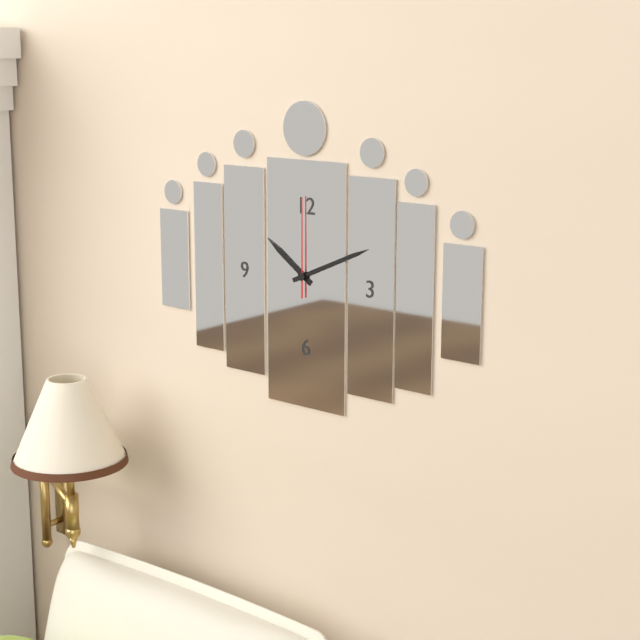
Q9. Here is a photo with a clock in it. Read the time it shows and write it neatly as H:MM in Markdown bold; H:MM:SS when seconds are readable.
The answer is **10:11:00**
